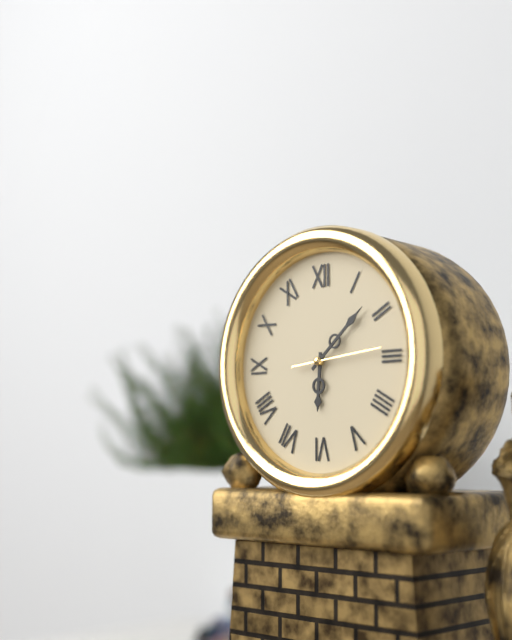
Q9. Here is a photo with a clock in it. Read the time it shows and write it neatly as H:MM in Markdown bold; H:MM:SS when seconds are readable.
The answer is **6:08:14**
